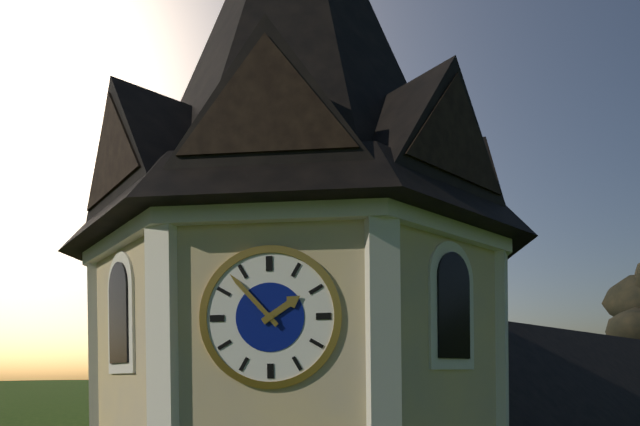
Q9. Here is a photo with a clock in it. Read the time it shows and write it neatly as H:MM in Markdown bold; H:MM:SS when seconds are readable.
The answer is **1:53**
